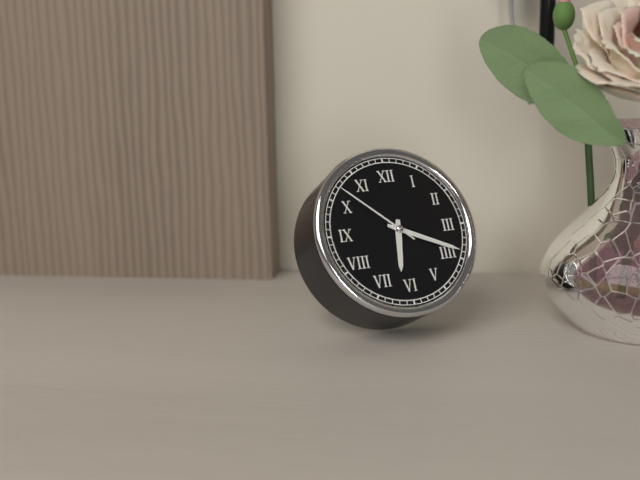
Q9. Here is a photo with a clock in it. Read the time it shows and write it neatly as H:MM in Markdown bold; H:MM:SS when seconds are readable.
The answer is **6:19:52**
